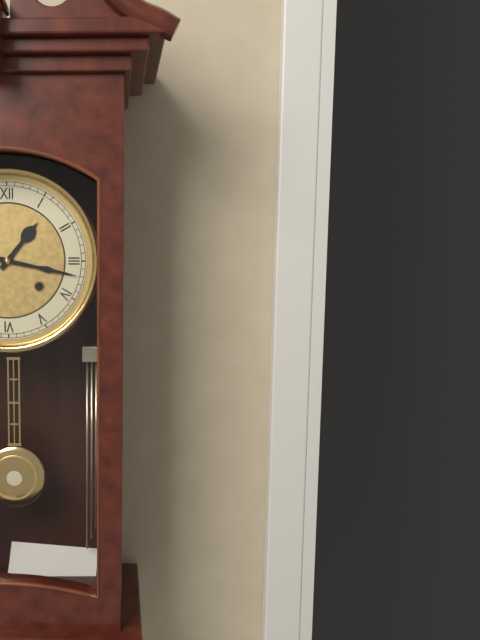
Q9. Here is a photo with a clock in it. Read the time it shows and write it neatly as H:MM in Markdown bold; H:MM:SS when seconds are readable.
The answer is **1:17**
